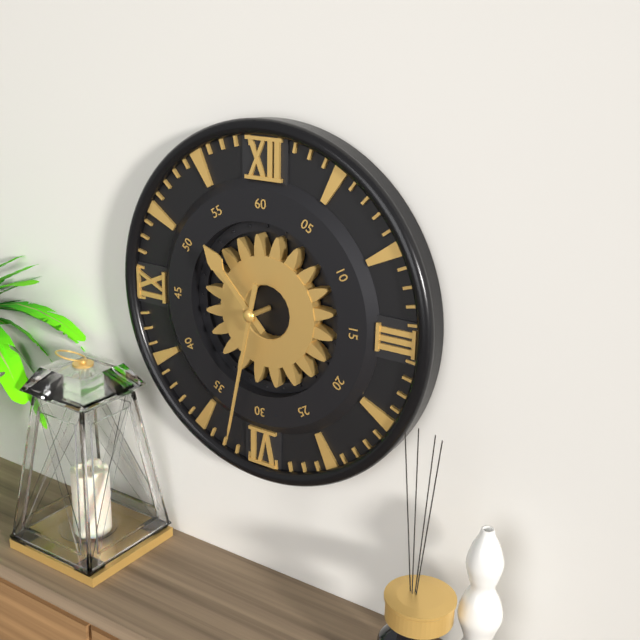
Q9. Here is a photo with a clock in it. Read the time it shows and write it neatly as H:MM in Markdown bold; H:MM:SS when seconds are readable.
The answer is **10:32**
